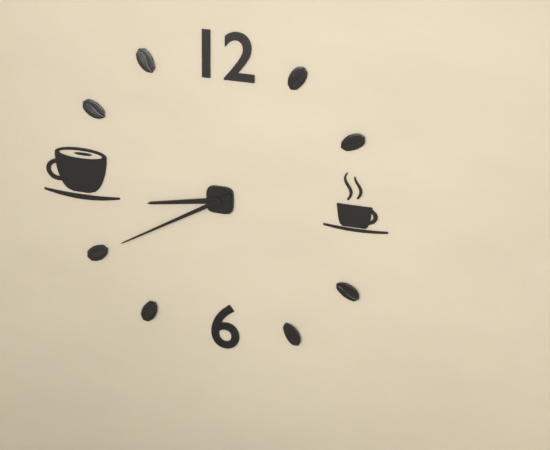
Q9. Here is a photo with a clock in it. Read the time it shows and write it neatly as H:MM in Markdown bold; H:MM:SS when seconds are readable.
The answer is **8:40**
